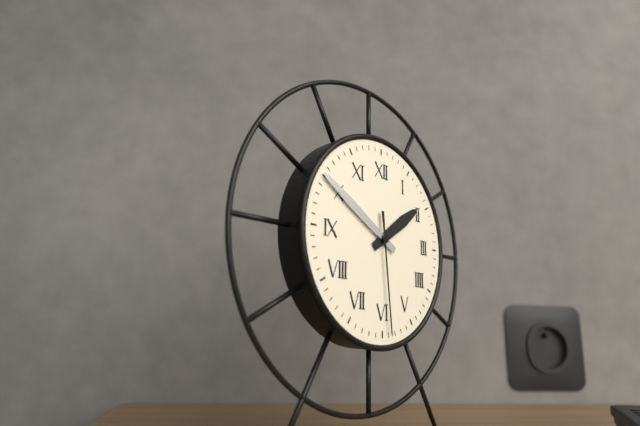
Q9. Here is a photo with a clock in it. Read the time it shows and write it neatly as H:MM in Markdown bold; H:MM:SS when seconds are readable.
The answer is **1:50:29**
